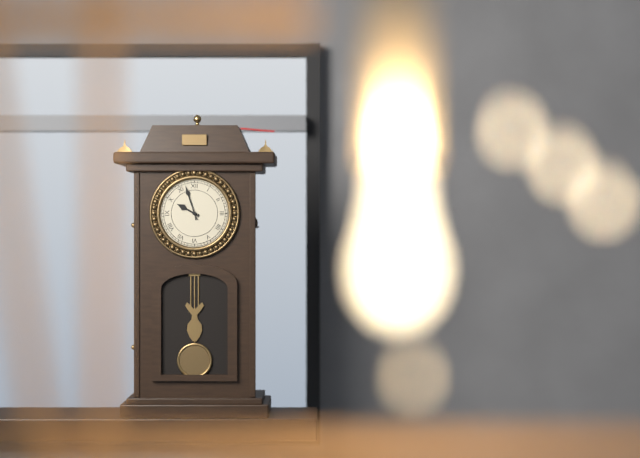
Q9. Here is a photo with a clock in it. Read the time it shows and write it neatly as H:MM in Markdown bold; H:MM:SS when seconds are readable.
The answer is **9:57**
